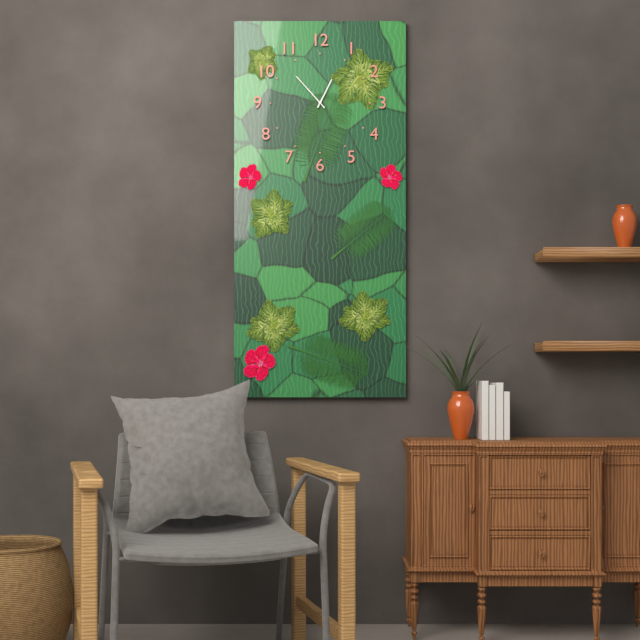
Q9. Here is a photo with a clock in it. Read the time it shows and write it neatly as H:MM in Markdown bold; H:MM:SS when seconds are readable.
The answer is **12:53**
